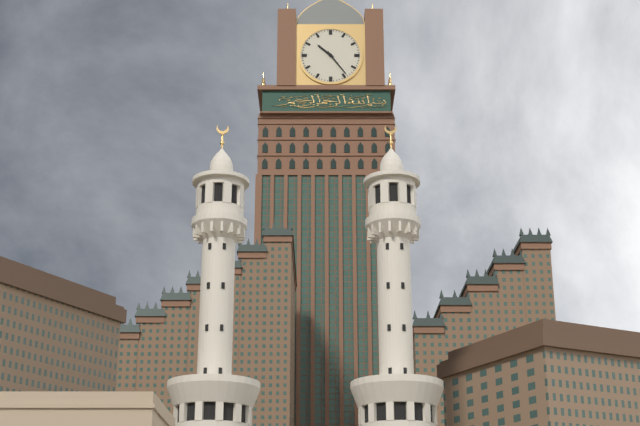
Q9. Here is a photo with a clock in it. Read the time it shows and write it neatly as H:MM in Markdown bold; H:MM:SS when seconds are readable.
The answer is **10:24**
